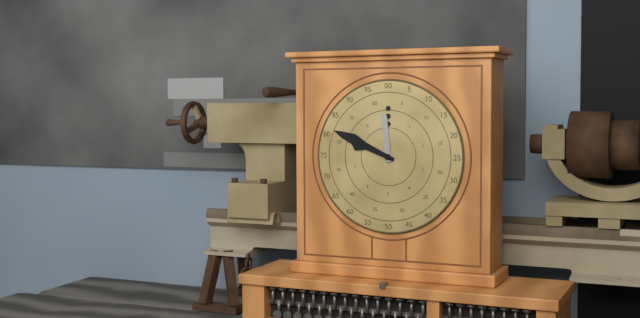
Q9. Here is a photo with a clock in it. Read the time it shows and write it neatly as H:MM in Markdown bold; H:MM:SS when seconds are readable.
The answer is **11:49**
